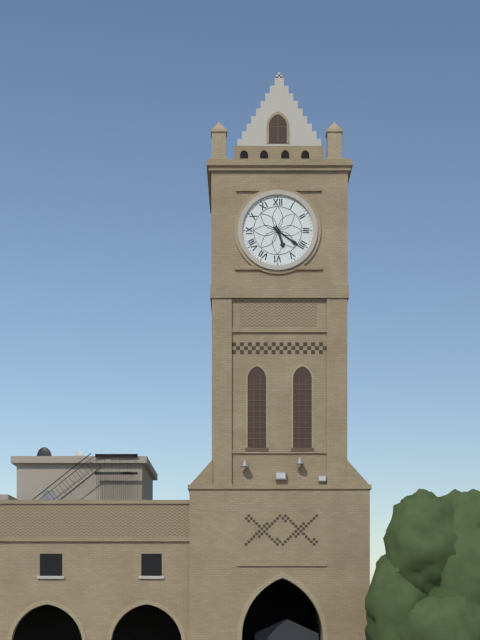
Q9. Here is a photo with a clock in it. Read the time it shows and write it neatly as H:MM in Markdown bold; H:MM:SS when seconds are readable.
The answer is **5:21**
